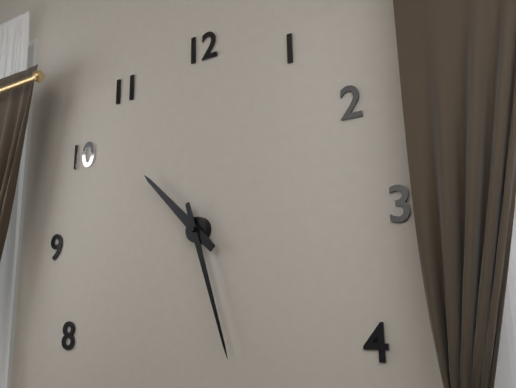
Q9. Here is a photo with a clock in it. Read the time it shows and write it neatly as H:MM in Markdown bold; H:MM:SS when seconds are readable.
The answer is **10:27**
